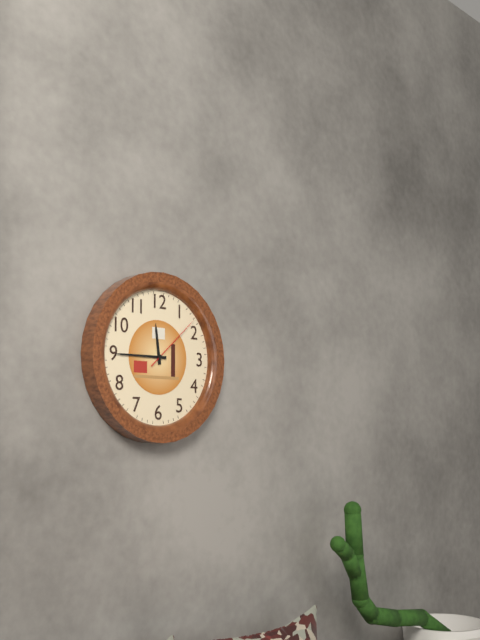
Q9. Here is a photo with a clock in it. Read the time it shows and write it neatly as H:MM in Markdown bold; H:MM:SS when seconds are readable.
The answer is **11:45:08**
